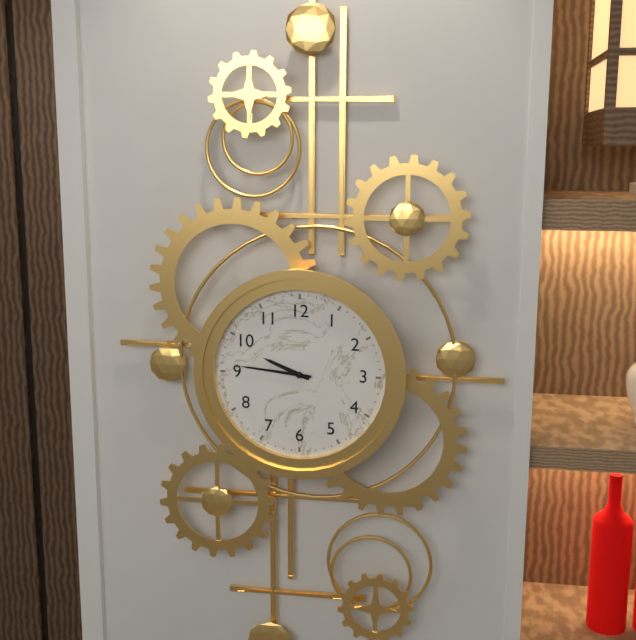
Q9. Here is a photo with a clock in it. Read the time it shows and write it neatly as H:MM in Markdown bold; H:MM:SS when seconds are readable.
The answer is **9:46**
